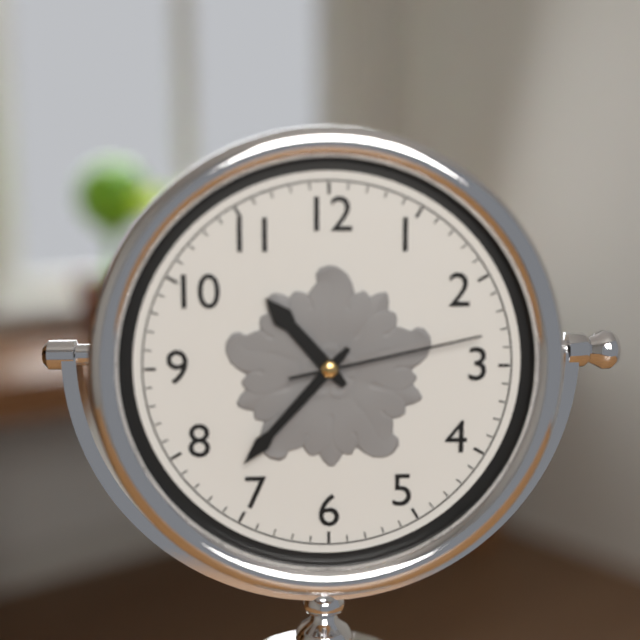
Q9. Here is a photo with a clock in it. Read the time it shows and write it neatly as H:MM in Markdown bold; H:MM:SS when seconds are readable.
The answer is **10:37:13**
